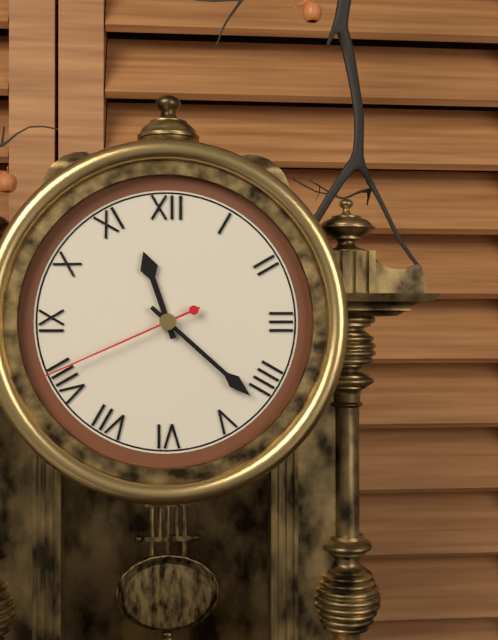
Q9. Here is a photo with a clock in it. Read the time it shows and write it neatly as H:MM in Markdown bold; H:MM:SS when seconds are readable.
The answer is **11:22:41**
